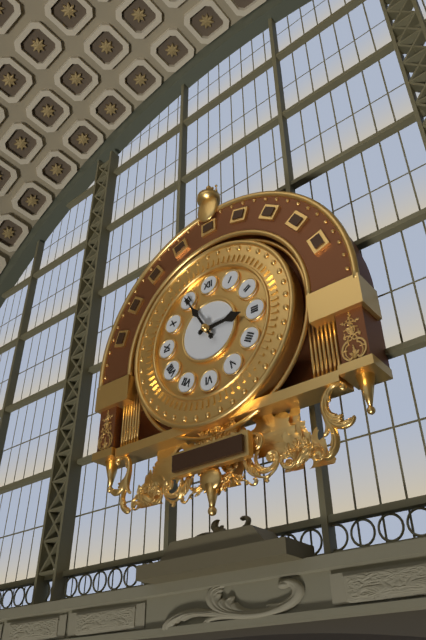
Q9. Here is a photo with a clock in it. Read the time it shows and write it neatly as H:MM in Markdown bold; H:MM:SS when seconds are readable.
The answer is **2:55**
